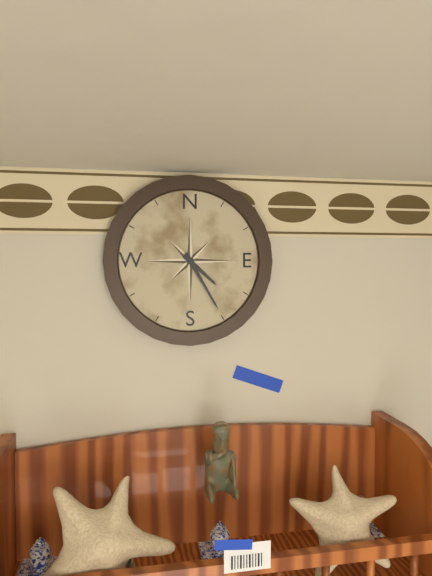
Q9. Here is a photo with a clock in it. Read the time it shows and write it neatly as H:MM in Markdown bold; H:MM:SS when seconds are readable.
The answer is **4:25**
